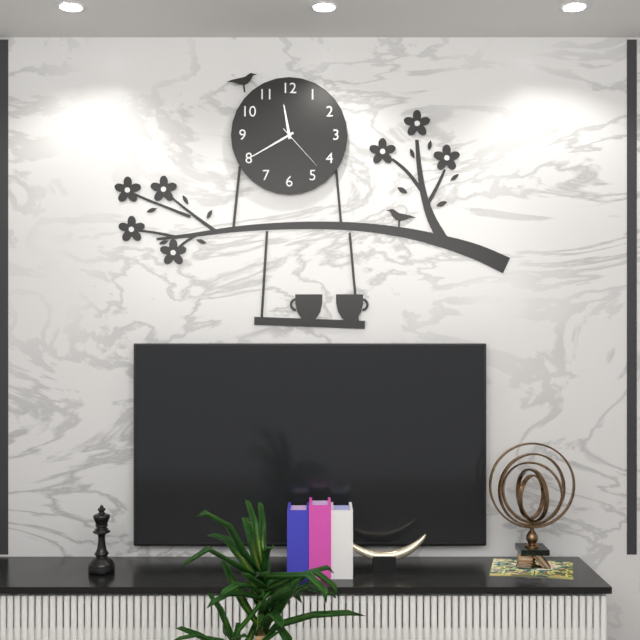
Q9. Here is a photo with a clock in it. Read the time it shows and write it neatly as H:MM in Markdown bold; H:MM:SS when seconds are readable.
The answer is **11:40:23**
